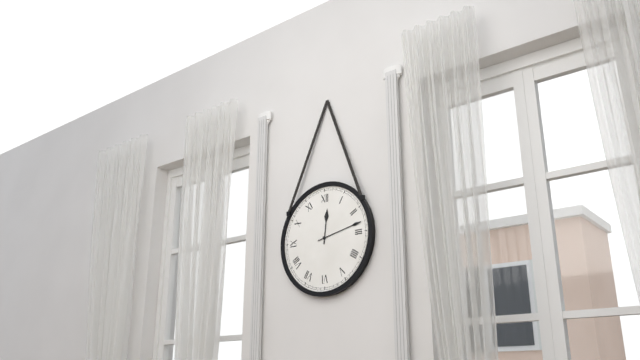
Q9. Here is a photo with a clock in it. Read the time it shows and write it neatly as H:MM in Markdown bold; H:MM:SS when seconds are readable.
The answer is **12:13**
